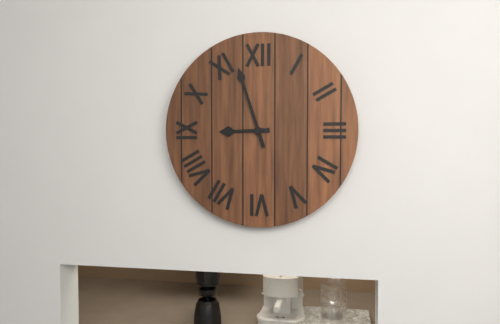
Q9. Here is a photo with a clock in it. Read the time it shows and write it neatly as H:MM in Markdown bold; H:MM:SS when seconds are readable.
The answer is **8:57**
